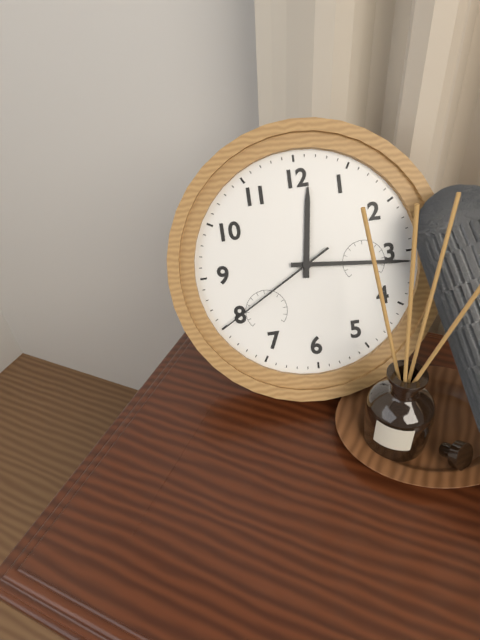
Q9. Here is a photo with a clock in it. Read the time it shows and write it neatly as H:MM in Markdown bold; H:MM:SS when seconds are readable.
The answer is **12:16:40**
